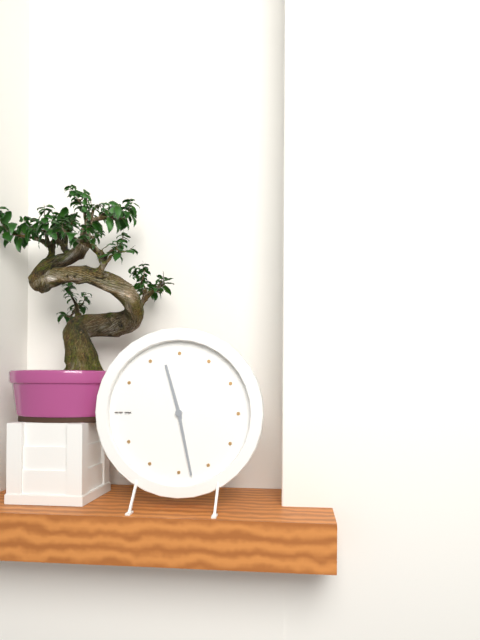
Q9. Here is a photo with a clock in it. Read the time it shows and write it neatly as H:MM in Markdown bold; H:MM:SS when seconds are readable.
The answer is **11:28**
